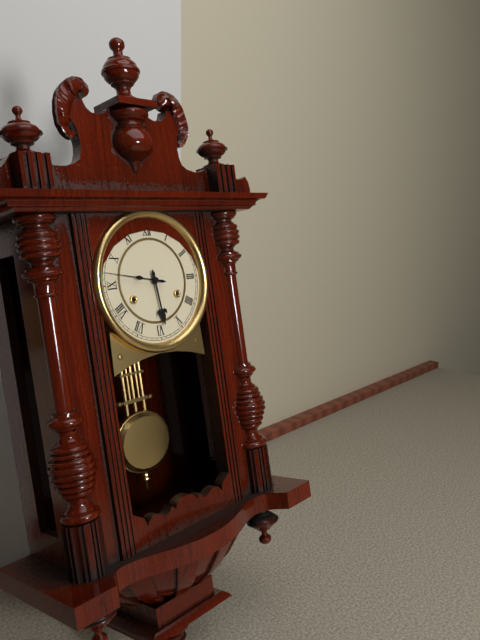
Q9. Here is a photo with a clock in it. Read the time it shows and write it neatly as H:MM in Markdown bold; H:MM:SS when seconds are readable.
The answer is **5:47**
